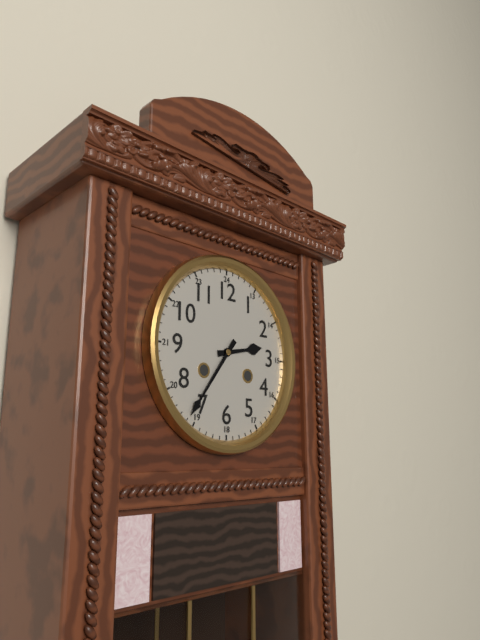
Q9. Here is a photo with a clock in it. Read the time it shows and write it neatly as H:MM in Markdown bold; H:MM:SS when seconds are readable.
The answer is **2:36**
